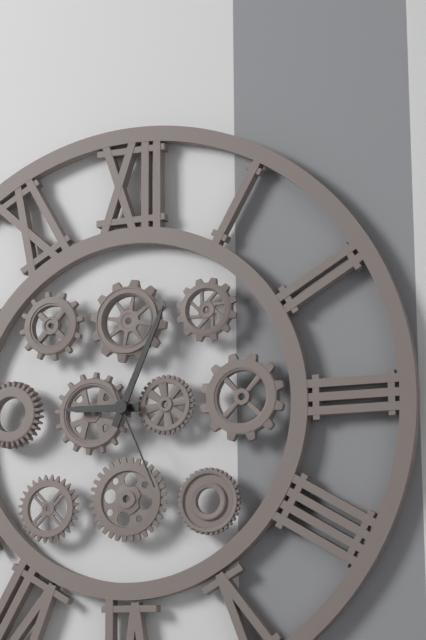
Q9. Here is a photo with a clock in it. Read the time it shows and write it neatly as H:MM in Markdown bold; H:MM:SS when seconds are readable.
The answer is **9:04:26**
